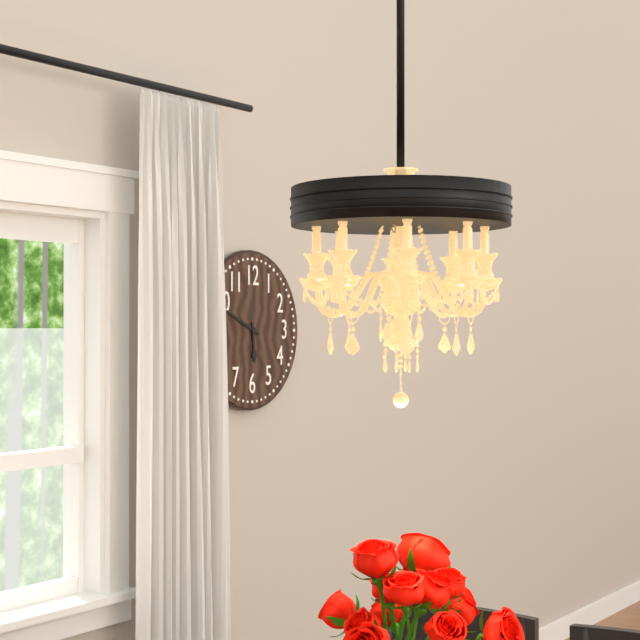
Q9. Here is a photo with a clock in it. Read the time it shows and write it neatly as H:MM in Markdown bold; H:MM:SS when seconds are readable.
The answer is **5:49**
